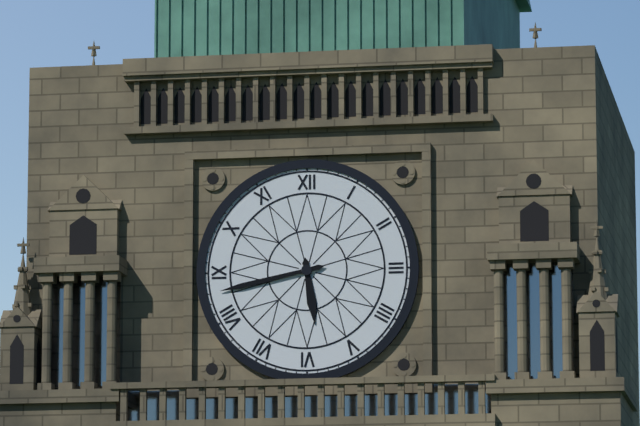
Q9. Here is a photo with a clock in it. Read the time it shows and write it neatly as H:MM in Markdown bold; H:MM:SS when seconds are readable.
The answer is **5:43**
